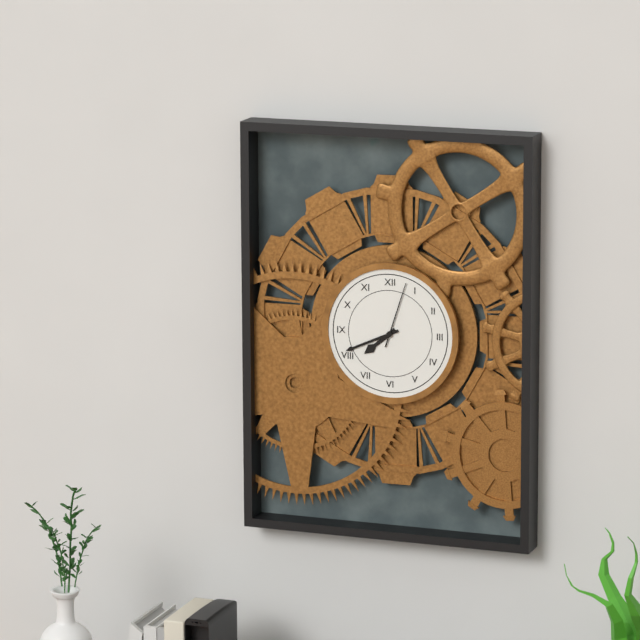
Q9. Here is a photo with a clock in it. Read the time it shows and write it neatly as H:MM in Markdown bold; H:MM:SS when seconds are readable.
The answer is **7:41:03**
